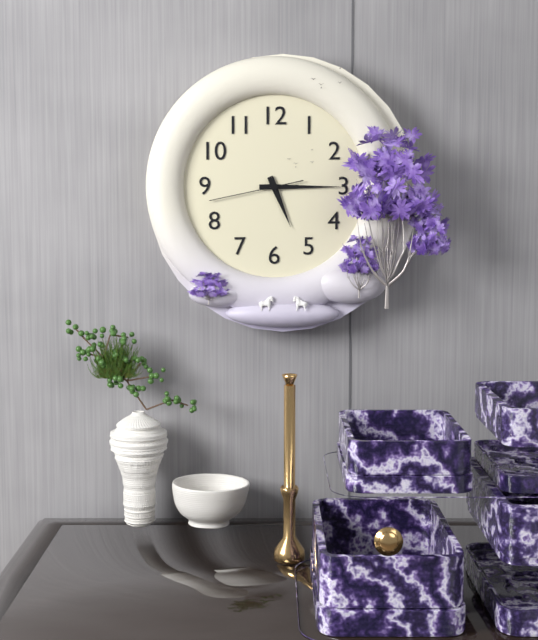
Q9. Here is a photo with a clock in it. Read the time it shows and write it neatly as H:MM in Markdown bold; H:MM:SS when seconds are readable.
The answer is **5:15:43**
